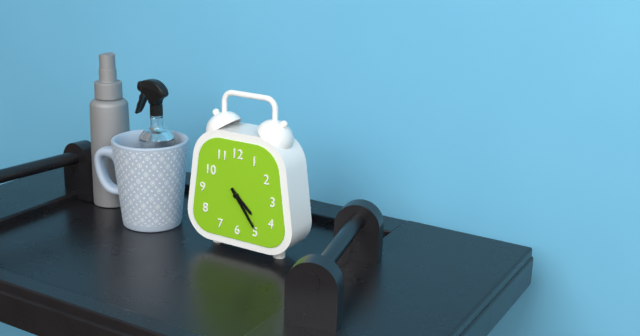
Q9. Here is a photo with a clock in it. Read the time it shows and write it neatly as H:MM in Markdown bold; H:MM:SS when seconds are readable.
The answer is **4:24**
